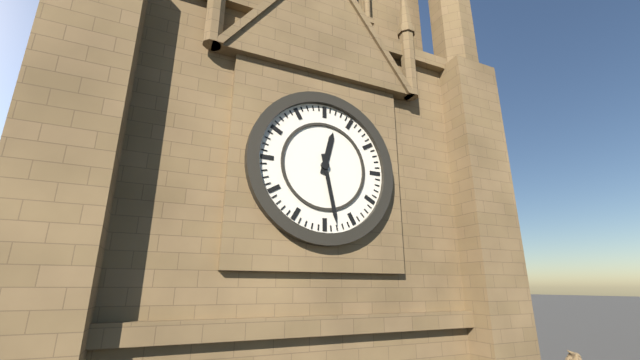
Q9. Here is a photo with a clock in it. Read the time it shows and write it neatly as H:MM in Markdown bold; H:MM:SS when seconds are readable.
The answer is **12:28**
